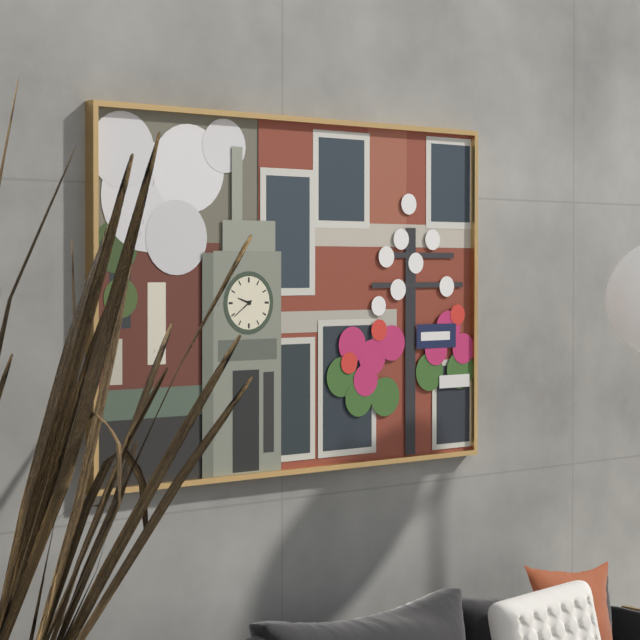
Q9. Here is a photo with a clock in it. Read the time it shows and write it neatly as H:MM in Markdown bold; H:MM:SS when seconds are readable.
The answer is **9:39**
